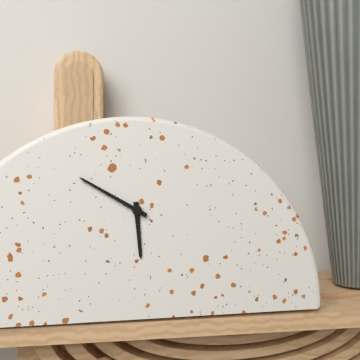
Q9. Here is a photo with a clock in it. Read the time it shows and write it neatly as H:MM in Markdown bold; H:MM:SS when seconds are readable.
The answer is **5:50**
